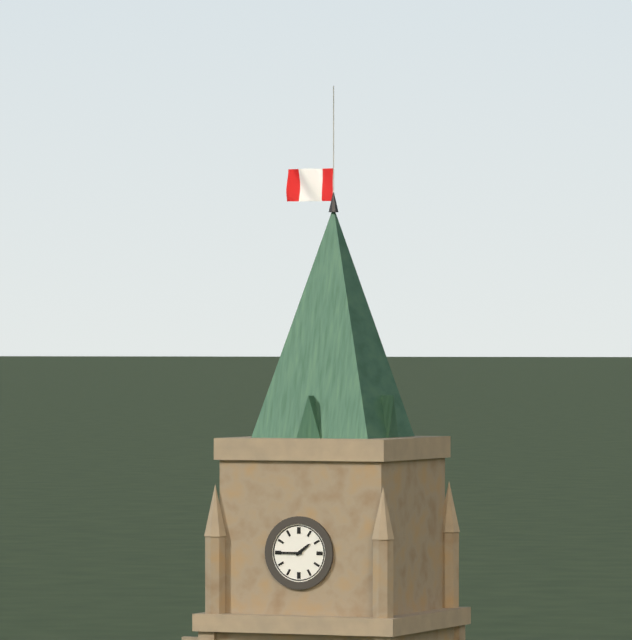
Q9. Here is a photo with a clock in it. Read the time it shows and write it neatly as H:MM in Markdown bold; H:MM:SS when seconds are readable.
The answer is **1:45**
